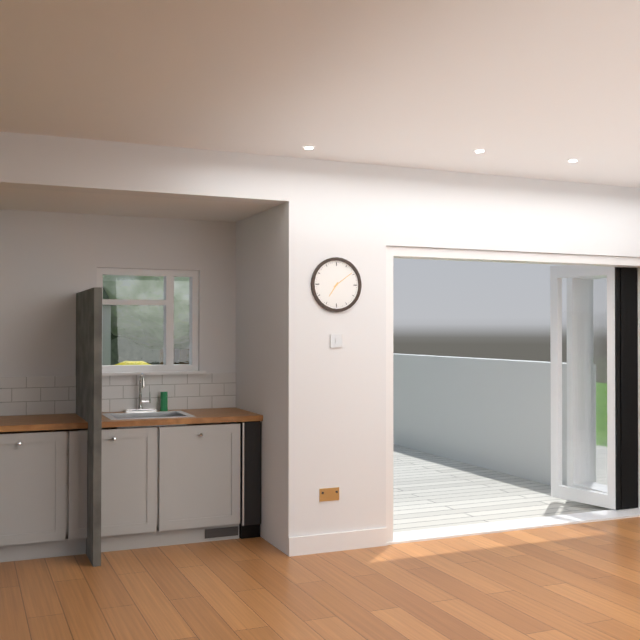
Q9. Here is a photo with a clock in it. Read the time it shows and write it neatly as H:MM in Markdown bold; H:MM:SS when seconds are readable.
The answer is **7:09**
